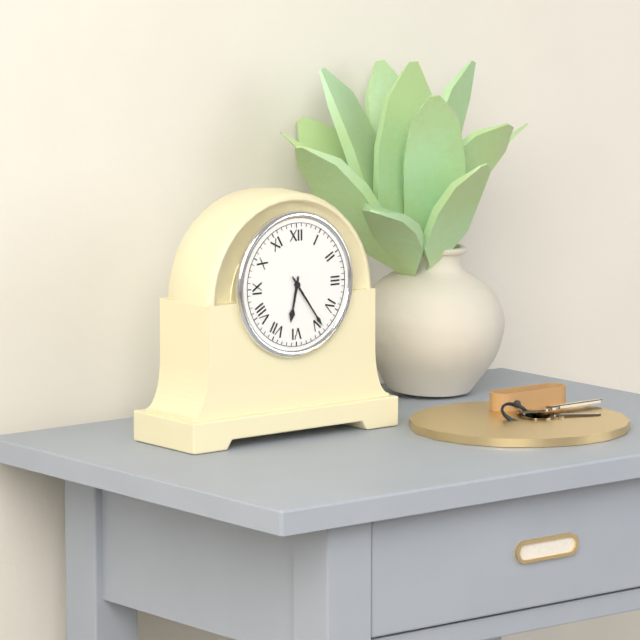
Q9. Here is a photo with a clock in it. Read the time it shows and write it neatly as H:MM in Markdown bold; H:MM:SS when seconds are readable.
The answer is **6:24**
